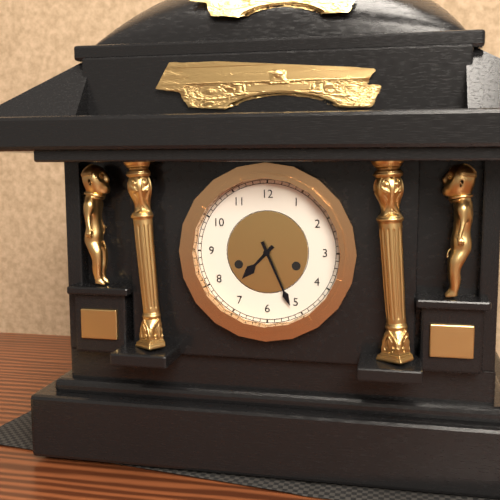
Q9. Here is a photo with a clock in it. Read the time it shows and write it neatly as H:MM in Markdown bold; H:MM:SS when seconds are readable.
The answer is **7:26**
